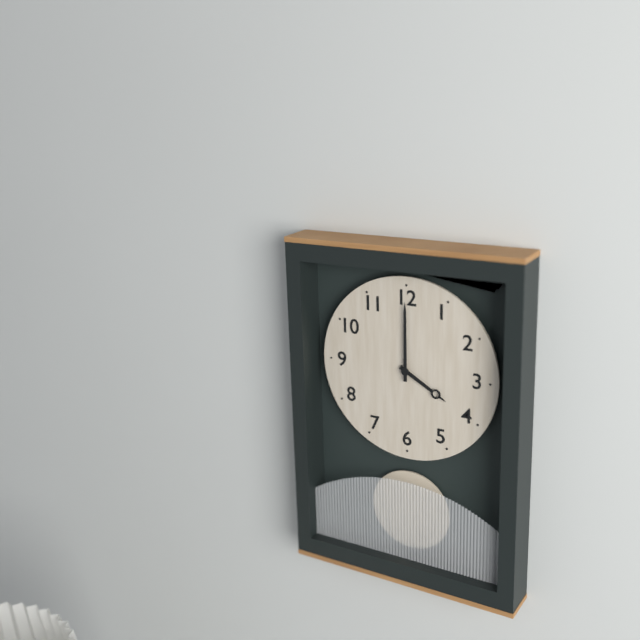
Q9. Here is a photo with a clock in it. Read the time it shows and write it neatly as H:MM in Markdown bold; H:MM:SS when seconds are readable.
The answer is **4:00**
